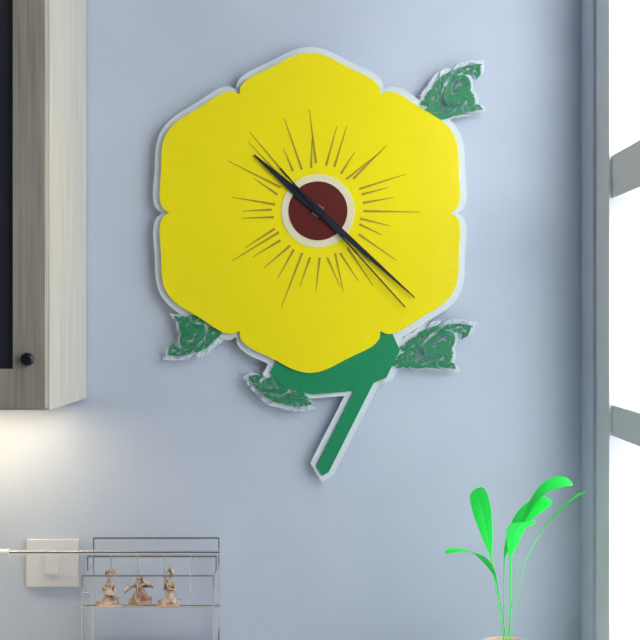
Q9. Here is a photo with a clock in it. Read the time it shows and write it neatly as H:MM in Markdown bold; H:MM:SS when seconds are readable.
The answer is **10:22:23**
